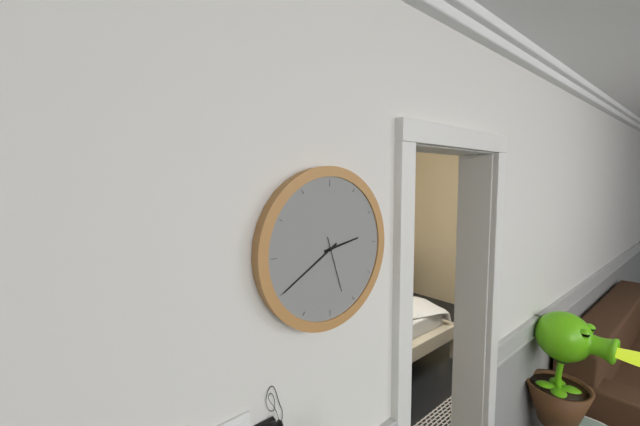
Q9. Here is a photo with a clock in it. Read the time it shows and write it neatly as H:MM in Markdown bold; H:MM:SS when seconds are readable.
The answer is **2:40:27**
